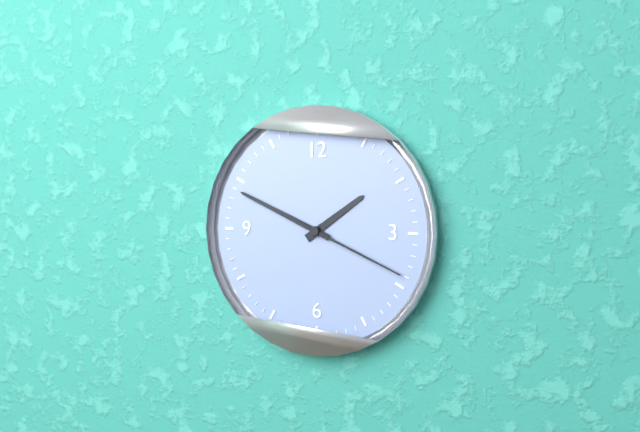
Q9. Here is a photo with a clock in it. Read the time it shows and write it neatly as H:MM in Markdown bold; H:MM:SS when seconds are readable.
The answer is **1:49:19**
